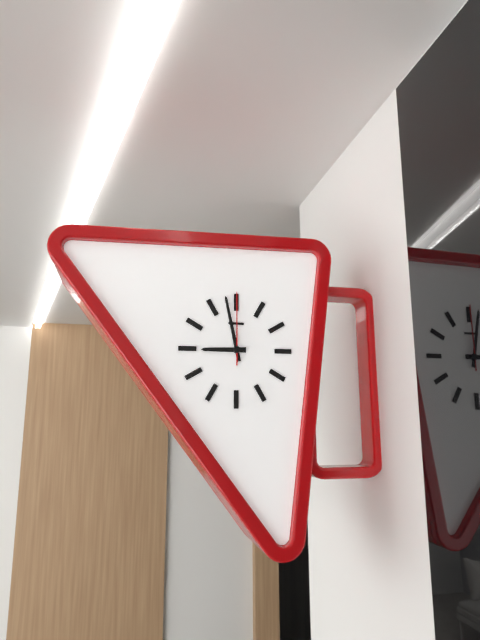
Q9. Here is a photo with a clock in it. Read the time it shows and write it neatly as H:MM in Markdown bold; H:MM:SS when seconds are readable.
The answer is **8:58:00**
